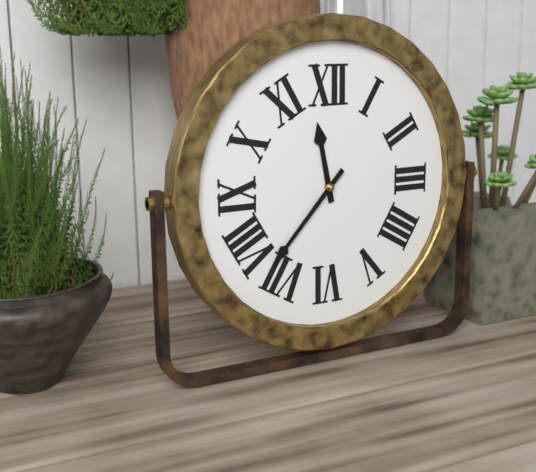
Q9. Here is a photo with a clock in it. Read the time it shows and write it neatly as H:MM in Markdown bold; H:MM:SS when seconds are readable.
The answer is **11:37**
